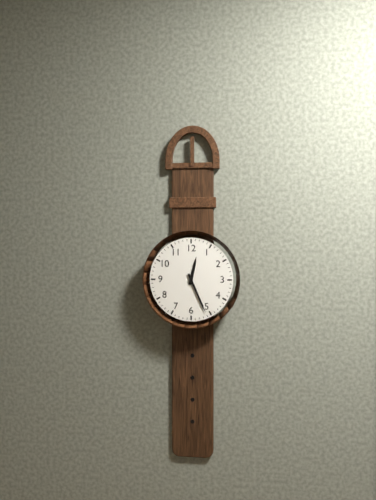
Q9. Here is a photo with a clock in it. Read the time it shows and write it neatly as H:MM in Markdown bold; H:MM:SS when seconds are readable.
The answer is **12:26**
